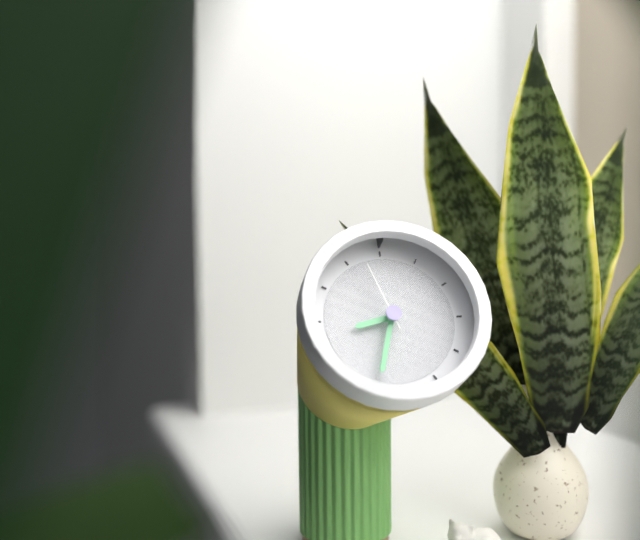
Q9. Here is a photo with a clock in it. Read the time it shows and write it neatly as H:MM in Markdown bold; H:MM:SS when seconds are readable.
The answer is **8:33:57**
